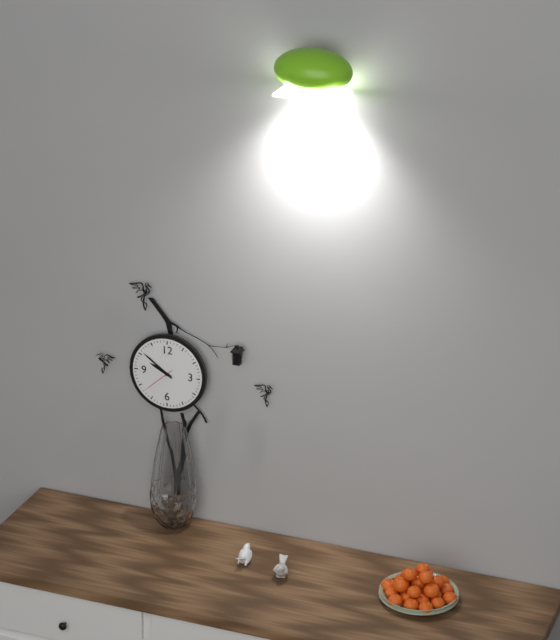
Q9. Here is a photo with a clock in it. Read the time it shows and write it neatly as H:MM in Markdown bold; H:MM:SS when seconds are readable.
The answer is **9:51**
